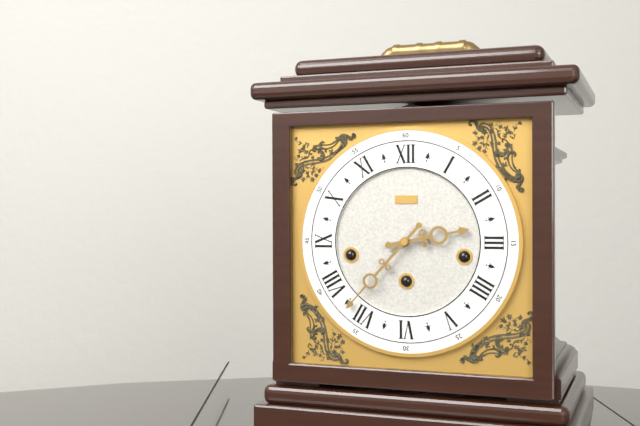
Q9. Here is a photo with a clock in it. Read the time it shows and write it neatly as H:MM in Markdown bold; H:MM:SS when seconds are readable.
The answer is **2:37**
